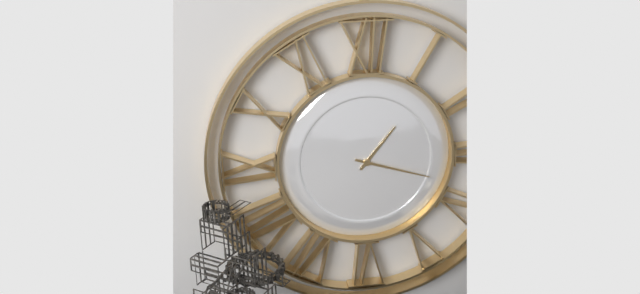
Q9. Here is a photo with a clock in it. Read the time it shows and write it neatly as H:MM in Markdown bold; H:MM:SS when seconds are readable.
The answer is **1:18**
